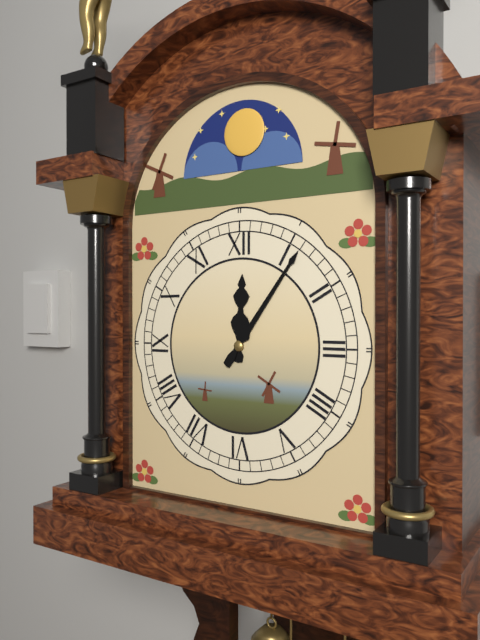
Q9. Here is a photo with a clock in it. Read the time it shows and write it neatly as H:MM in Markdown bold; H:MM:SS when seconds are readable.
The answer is **12:06**
